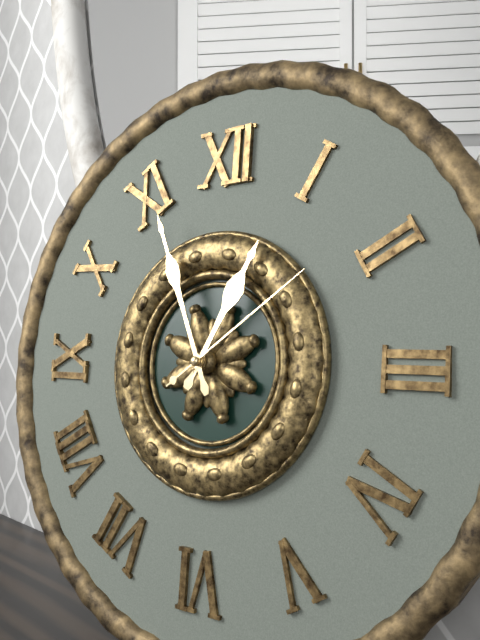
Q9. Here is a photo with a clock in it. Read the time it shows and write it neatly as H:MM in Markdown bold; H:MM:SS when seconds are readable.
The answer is **12:56:09**
